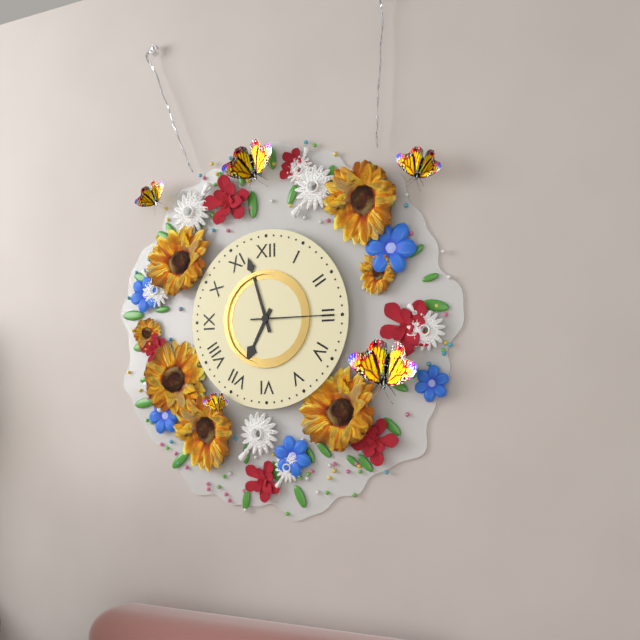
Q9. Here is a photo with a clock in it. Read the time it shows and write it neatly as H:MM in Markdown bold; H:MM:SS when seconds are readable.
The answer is **6:57:15**
